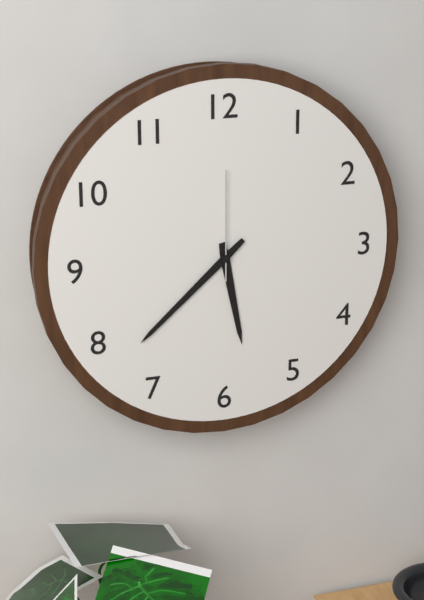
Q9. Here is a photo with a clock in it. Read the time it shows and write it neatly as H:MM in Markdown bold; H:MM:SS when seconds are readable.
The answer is **5:38:00**
